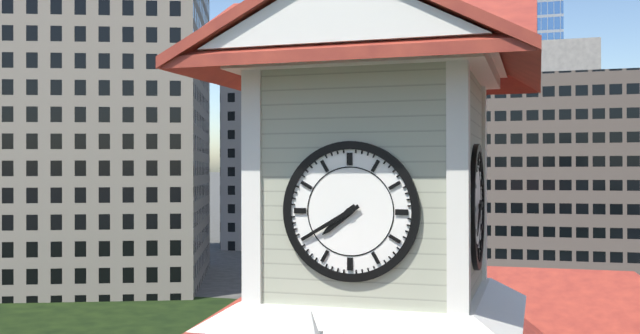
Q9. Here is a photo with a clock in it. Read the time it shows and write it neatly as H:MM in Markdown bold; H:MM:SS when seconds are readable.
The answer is **7:40**
